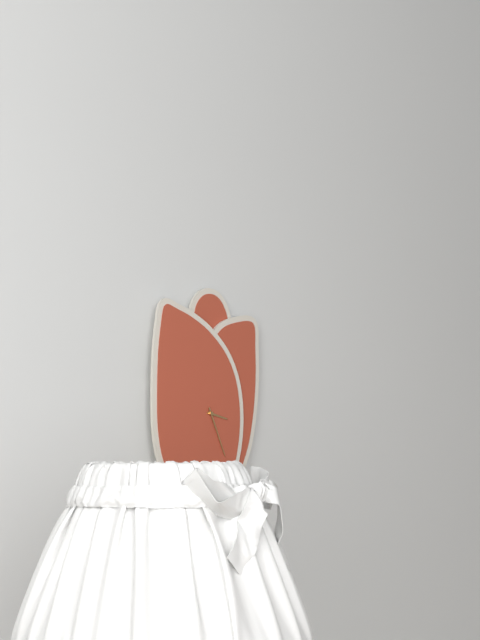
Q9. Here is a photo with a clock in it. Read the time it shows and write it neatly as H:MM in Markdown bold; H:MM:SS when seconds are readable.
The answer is **3:26**
